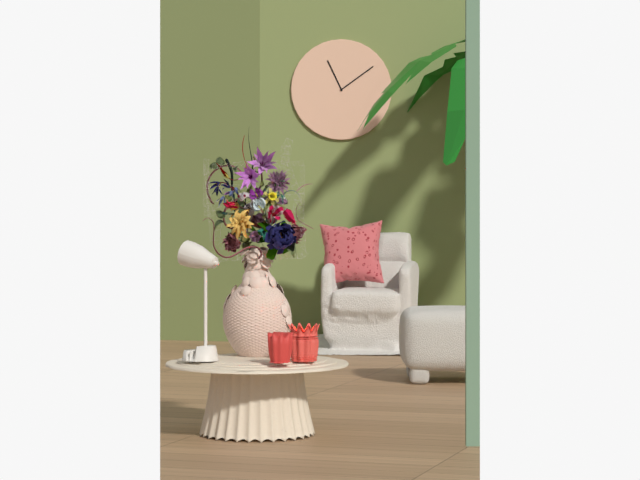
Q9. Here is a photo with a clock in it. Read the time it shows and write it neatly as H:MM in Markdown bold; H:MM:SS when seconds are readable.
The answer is **11:09**
